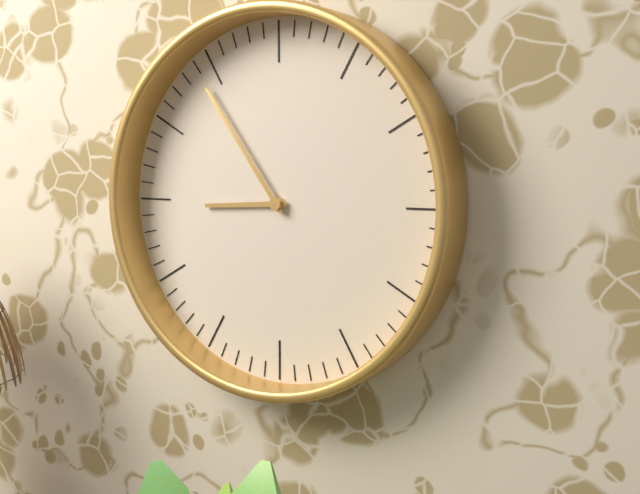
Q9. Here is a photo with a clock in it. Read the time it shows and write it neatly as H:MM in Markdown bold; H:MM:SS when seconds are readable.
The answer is **8:54**
